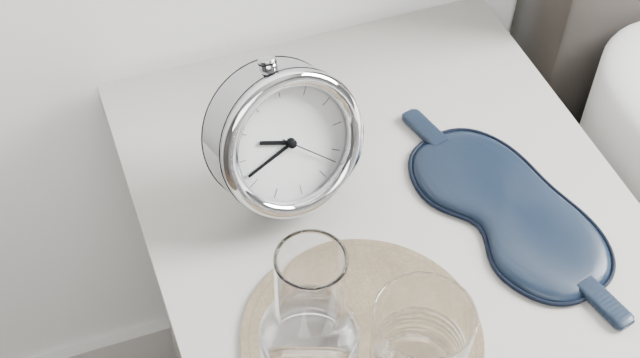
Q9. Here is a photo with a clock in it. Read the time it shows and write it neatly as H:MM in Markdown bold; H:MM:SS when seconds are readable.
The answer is **9:42:22**
